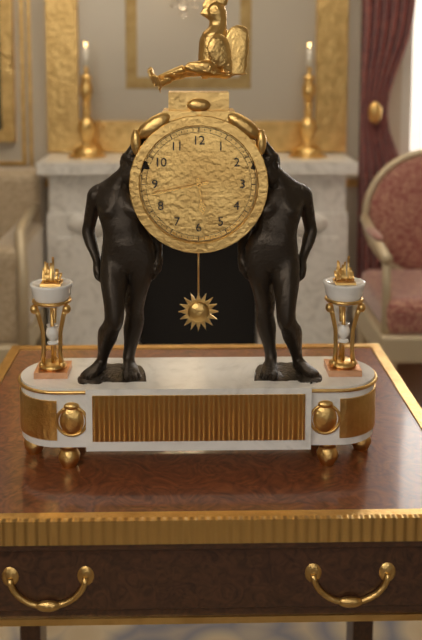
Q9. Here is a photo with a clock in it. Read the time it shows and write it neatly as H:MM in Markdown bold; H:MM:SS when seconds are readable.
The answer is **5:43**
